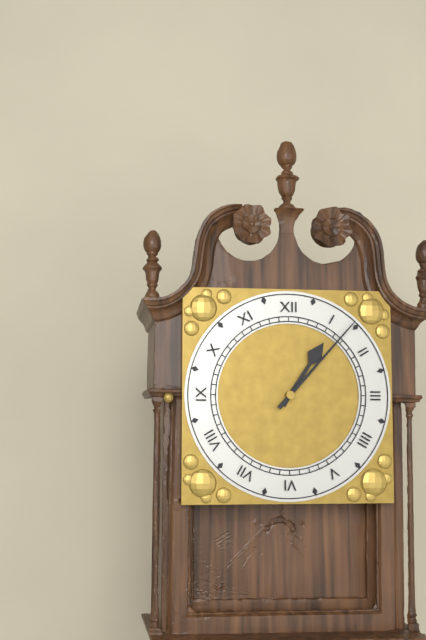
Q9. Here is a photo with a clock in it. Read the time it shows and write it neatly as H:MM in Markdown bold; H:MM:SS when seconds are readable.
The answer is **1:07**
